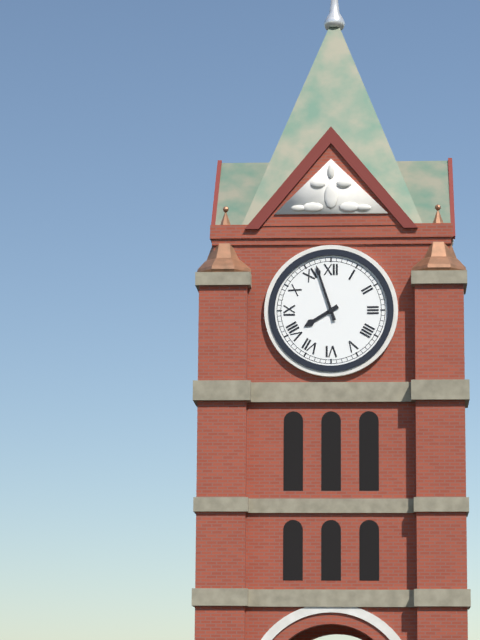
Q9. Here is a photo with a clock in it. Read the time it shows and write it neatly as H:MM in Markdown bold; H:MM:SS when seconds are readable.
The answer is **7:57**
